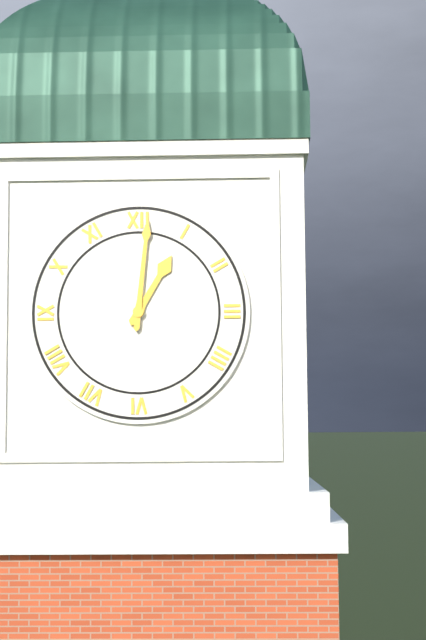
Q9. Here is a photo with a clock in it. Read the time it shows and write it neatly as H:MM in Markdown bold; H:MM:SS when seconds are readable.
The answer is **1:01**
